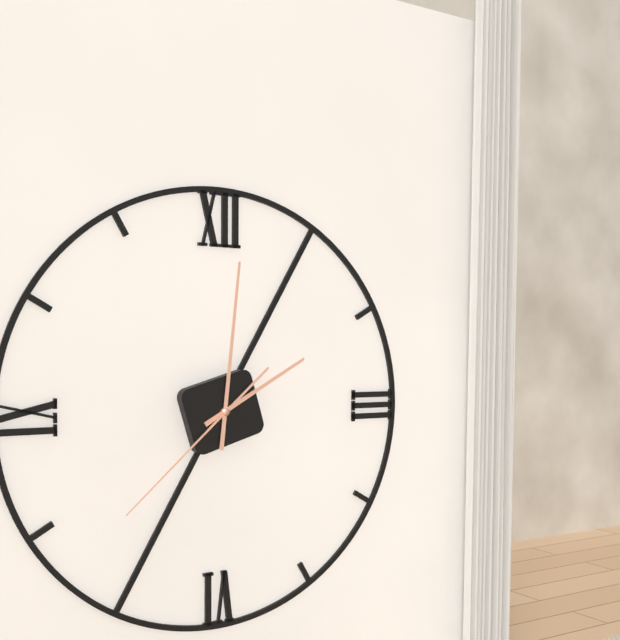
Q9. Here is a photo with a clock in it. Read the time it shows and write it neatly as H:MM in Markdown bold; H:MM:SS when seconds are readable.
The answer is **2:01:38**
